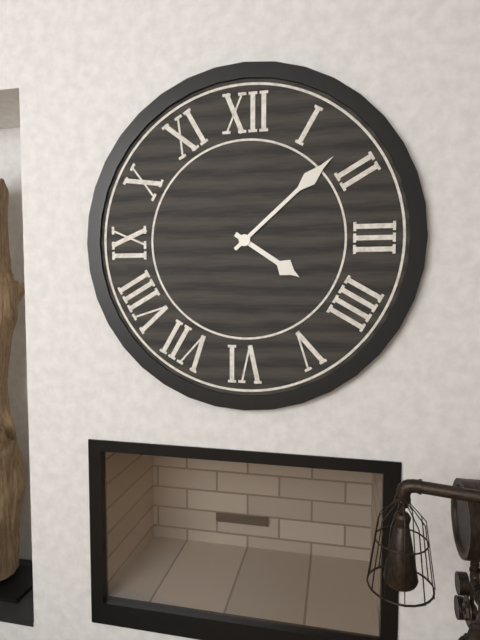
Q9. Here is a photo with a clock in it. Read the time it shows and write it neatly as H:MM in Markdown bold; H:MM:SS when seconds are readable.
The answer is **4:08**
